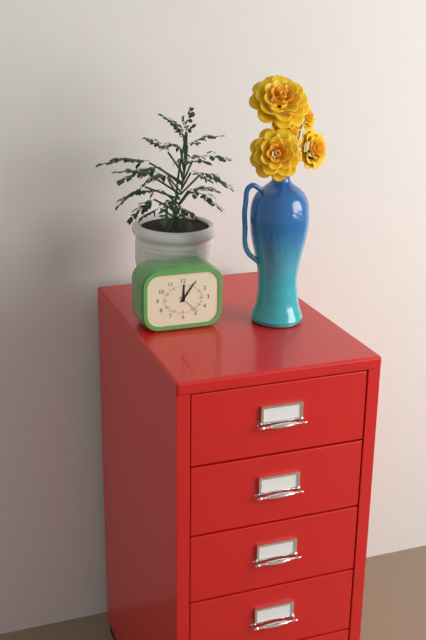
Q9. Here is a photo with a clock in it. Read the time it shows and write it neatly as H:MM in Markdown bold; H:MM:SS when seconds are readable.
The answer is **12:06**
